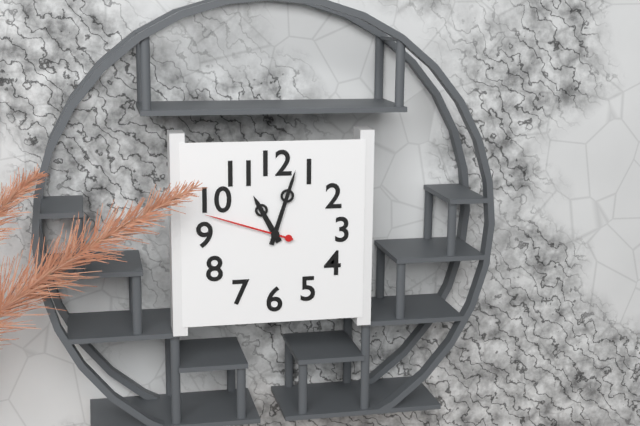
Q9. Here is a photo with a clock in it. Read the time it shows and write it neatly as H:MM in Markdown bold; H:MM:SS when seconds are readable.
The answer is **11:03:48**
